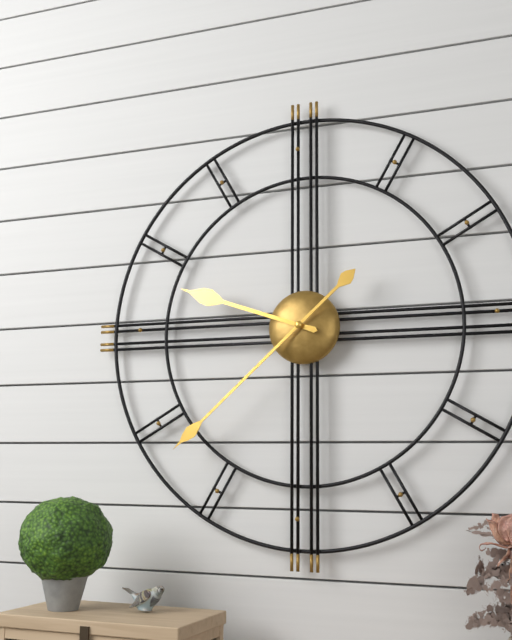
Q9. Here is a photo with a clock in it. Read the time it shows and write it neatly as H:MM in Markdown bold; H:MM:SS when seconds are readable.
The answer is **9:38**
